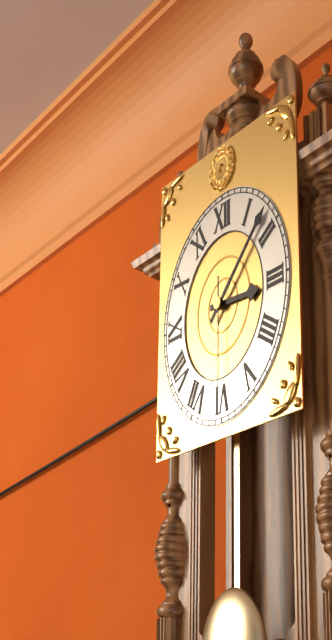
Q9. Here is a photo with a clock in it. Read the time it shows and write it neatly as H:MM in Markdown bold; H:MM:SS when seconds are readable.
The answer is **3:08:30**
